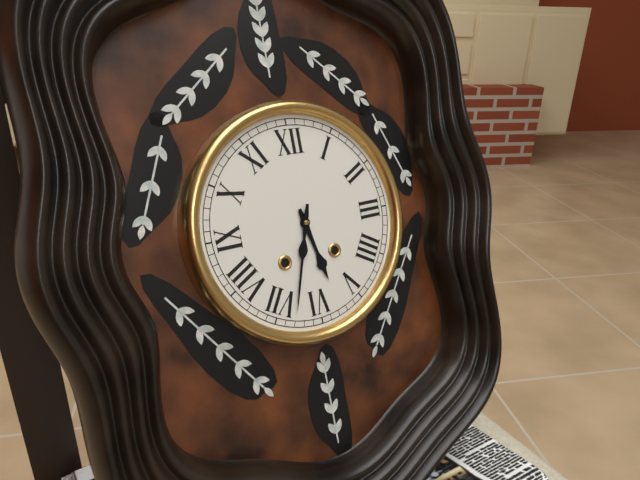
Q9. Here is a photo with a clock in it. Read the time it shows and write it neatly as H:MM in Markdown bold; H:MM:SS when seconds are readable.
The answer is **5:33**
